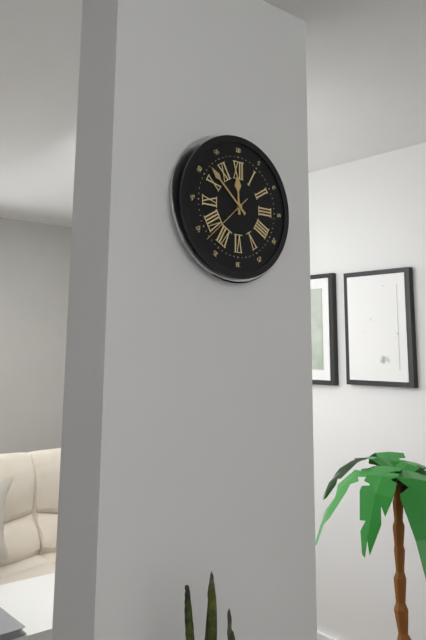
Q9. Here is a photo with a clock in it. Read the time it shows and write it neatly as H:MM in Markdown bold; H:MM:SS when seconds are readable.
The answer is **11:52:38**
